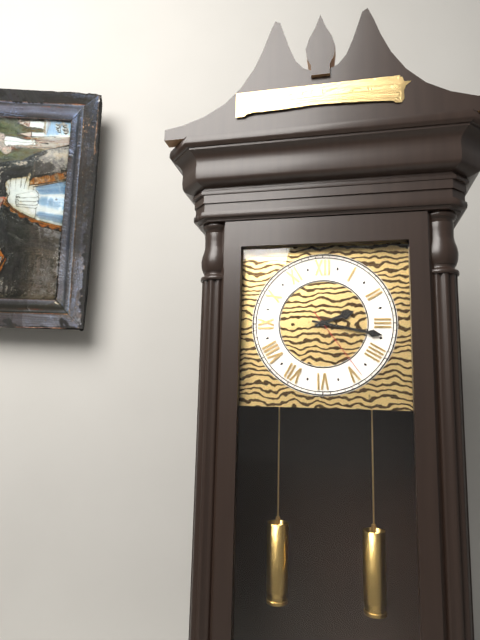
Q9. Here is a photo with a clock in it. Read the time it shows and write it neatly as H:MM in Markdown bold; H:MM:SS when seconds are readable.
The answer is **2:17:24**
